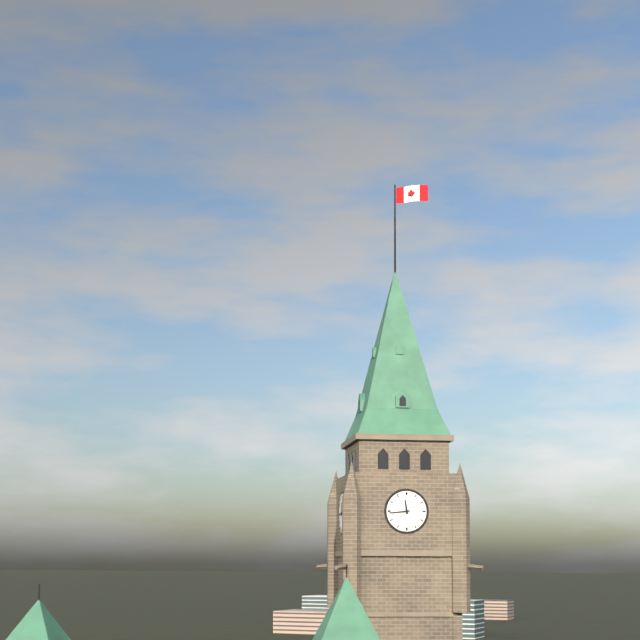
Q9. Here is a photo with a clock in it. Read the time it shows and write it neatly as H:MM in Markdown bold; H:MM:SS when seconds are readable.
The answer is **11:44**
